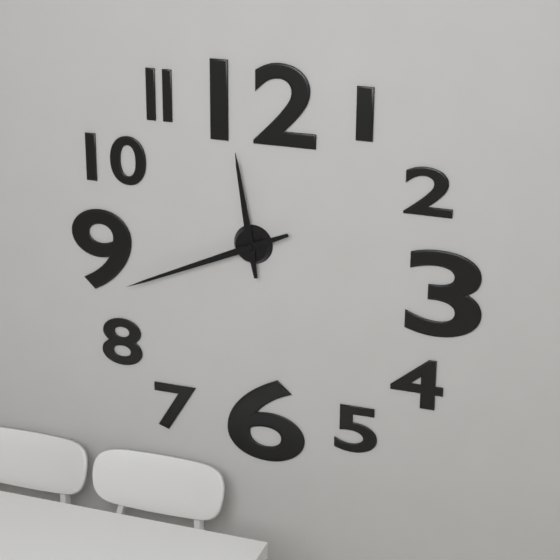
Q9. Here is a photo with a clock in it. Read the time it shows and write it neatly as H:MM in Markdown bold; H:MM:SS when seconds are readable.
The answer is **11:41**
